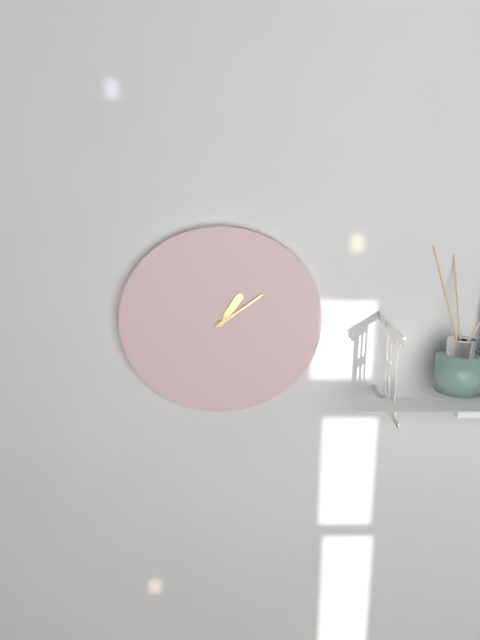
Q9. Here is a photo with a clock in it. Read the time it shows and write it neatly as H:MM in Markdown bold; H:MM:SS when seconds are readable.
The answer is **1:09**
